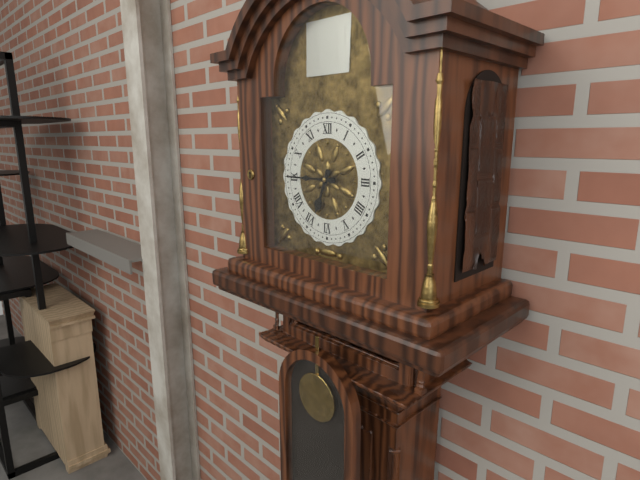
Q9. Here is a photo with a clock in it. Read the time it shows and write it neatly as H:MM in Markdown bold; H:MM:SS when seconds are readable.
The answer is **6:45**
